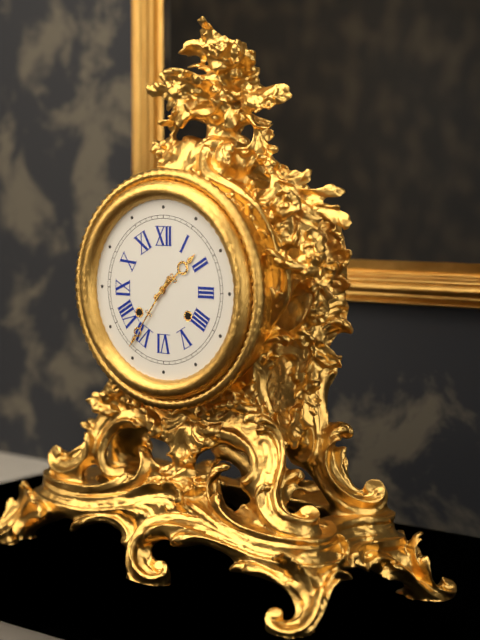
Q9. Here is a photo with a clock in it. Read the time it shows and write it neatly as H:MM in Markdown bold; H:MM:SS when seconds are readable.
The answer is **1:36**
